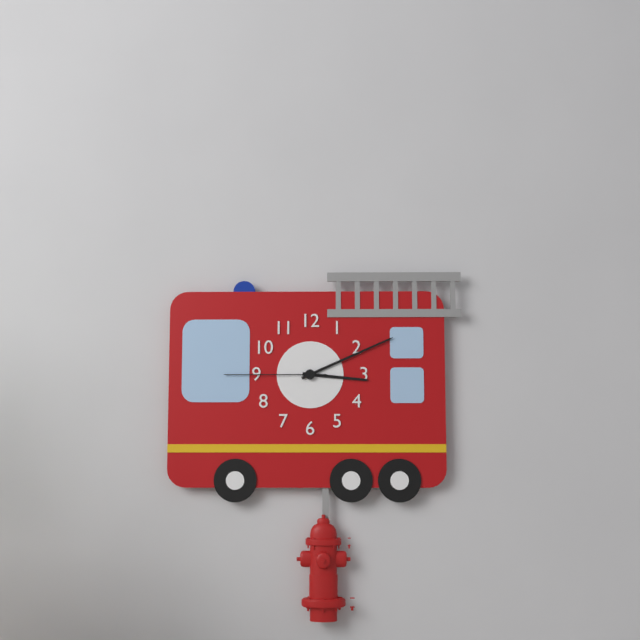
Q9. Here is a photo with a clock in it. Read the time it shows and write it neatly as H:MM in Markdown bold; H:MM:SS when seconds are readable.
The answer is **3:11:45**
